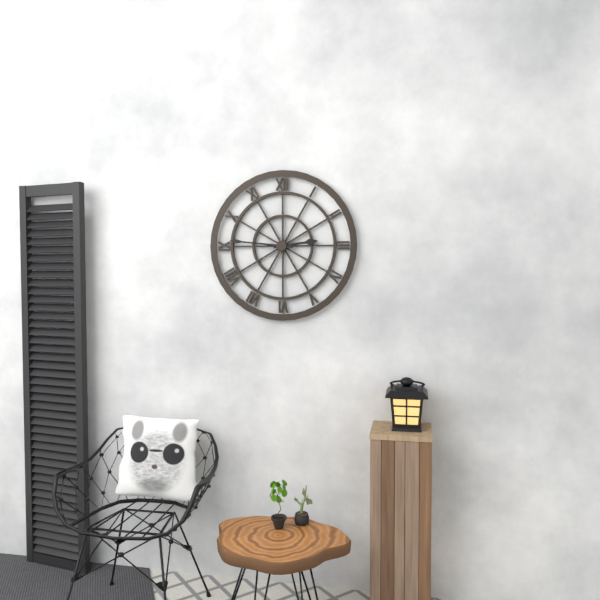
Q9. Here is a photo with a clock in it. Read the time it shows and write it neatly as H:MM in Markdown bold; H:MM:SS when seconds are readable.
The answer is **2:46**
